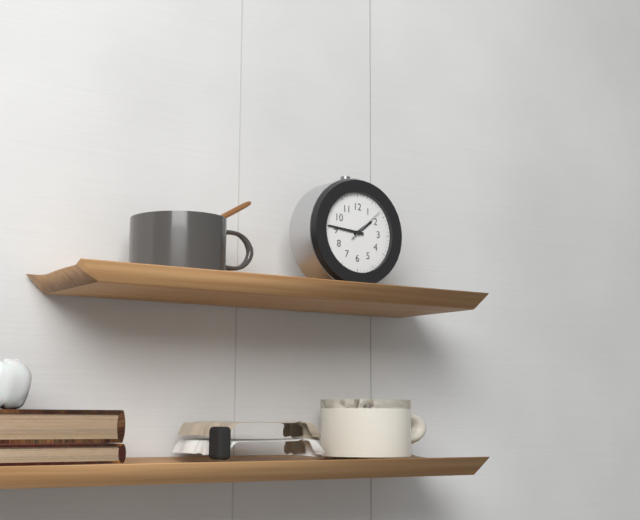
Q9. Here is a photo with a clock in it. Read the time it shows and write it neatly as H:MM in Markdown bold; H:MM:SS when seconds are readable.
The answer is **1:46**
